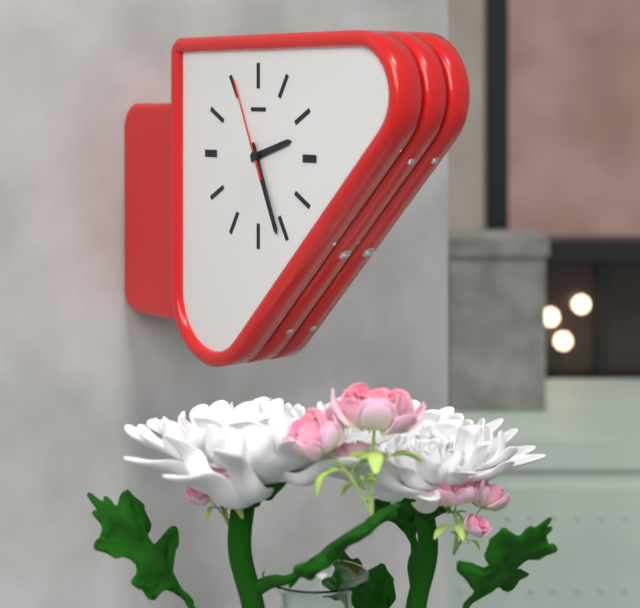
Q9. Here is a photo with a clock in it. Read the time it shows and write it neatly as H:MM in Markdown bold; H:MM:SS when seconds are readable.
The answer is **2:26:56**
